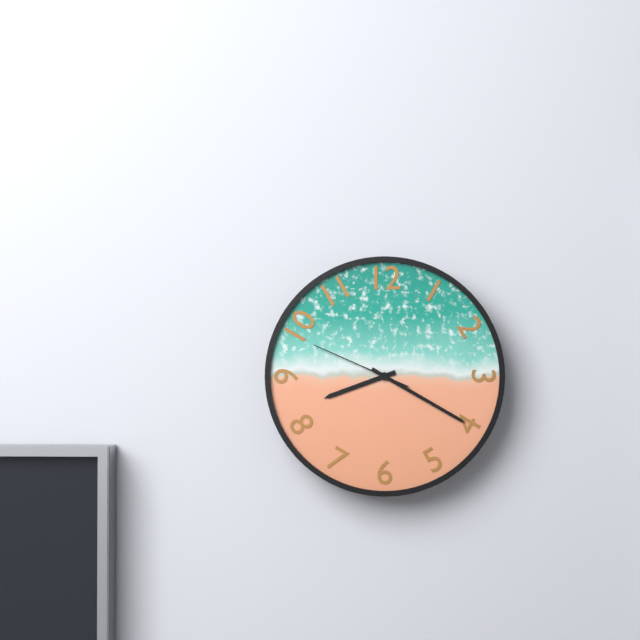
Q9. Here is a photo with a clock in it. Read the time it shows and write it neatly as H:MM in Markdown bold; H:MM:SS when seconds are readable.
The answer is **8:20:49**
